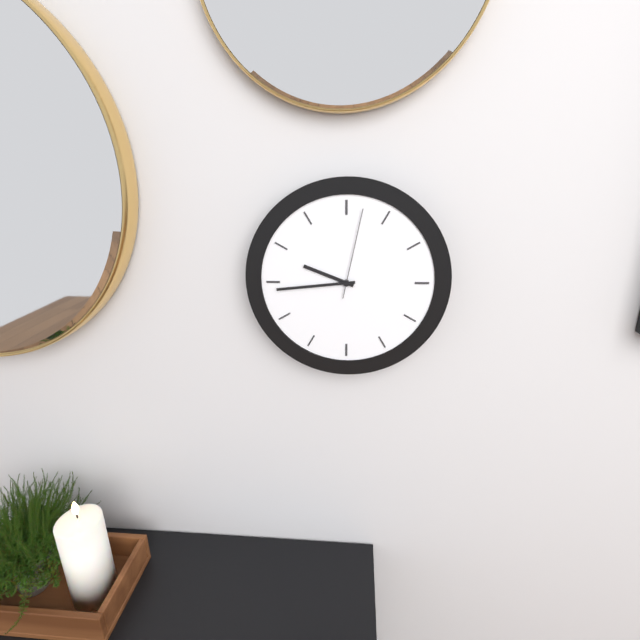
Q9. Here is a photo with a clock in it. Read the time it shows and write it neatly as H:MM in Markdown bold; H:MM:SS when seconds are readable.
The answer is **9:44:02**
